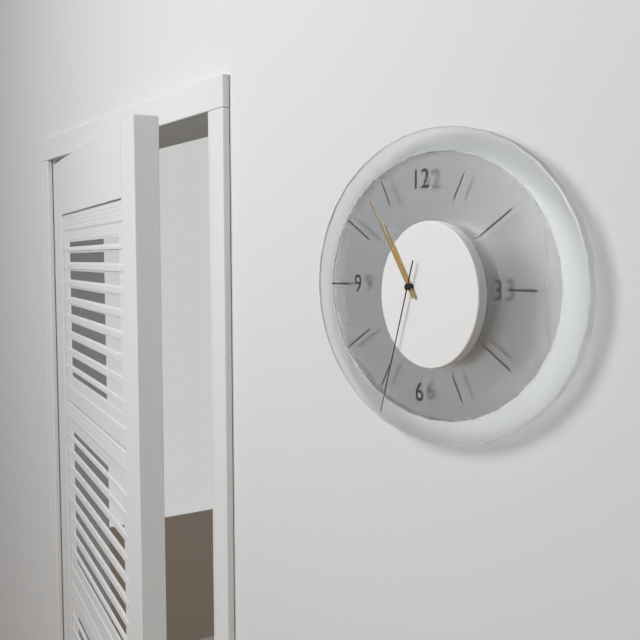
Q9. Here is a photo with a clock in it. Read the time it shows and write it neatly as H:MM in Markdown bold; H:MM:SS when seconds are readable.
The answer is **10:54:33**
